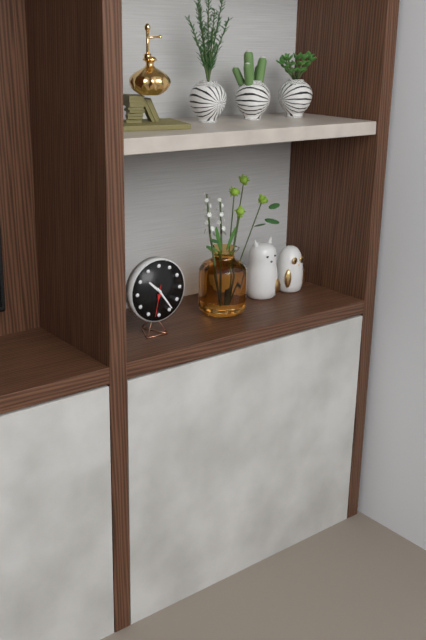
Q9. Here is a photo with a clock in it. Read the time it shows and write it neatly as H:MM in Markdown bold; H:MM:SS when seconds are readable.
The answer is **10:24**
